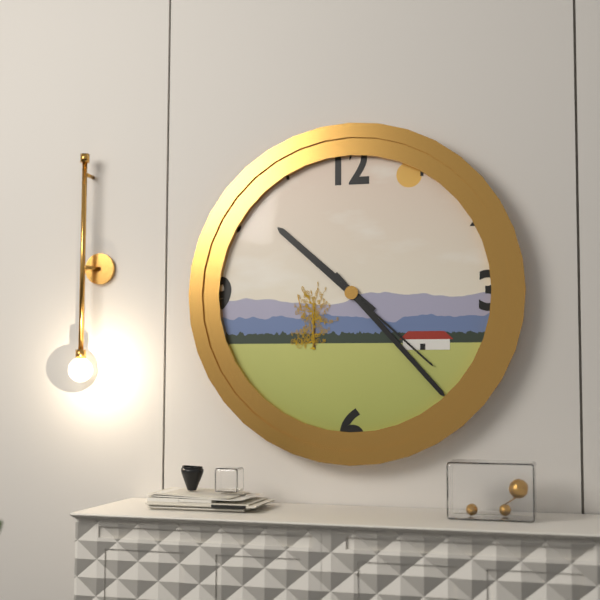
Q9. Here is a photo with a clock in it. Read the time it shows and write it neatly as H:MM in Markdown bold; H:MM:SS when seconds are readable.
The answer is **10:23:22**
